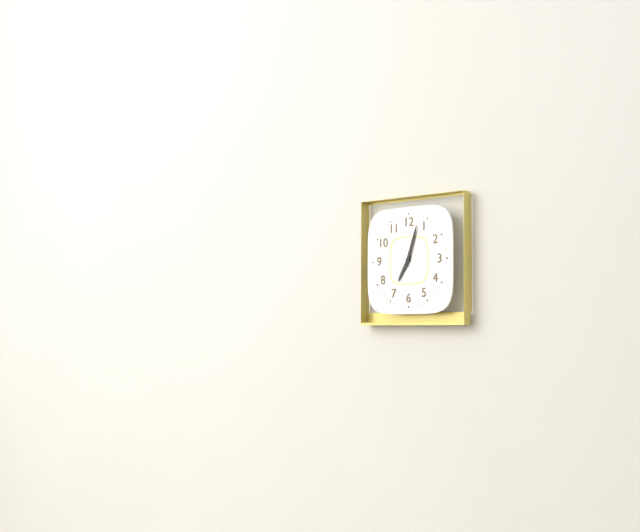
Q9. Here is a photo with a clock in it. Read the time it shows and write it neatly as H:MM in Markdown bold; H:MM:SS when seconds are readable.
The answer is **7:03**
